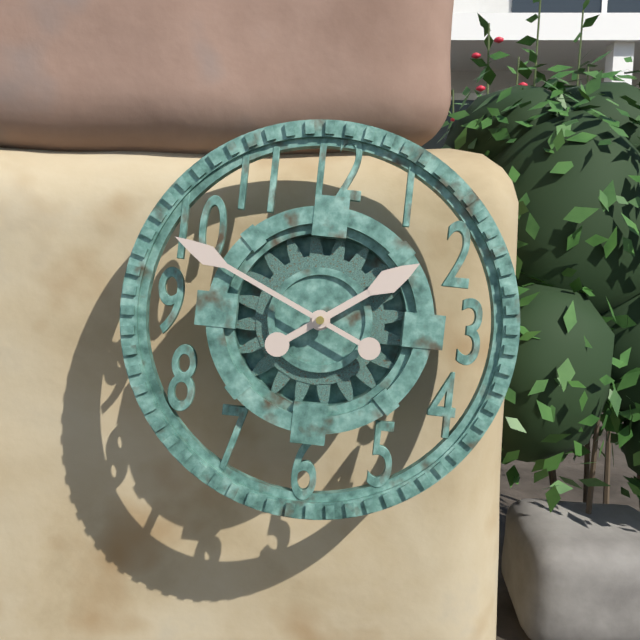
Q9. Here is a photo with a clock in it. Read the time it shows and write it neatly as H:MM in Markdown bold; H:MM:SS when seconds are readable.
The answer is **1:49**
